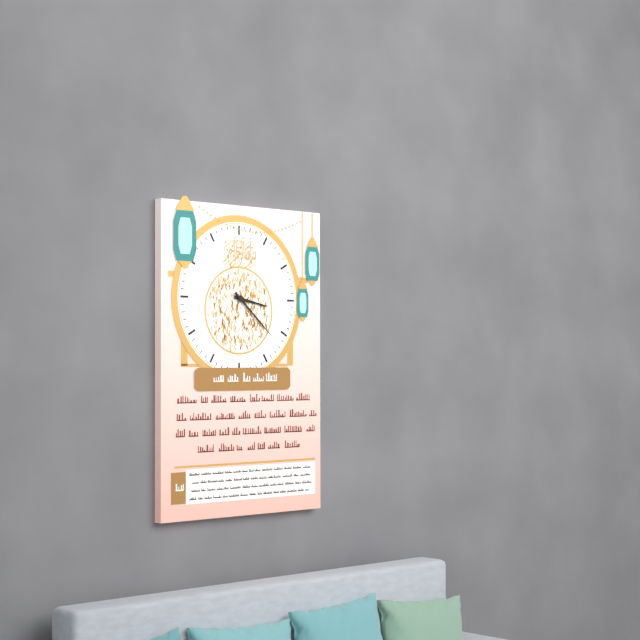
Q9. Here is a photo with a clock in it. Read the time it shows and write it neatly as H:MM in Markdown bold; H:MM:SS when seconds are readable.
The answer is **3:22**
